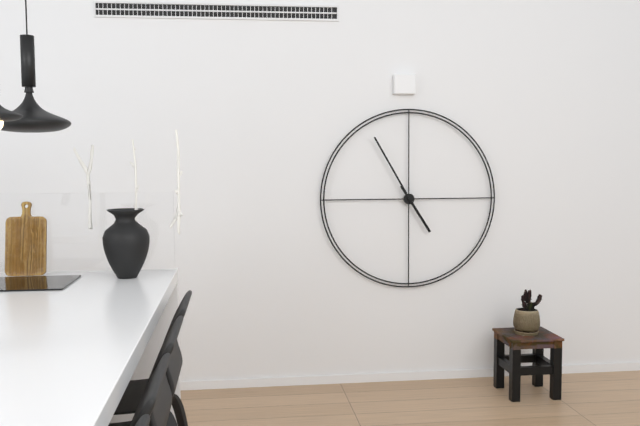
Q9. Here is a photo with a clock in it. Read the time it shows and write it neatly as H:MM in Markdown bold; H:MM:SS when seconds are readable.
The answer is **4:55**
